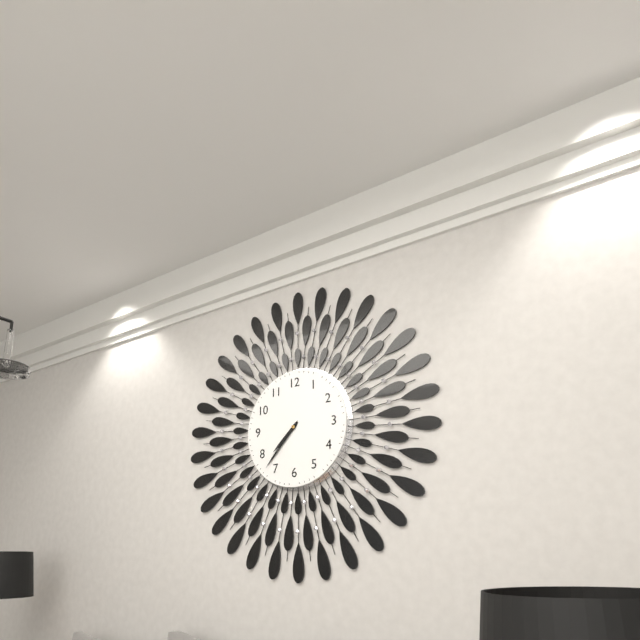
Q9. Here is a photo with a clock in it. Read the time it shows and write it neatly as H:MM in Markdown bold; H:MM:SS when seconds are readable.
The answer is **7:37**
